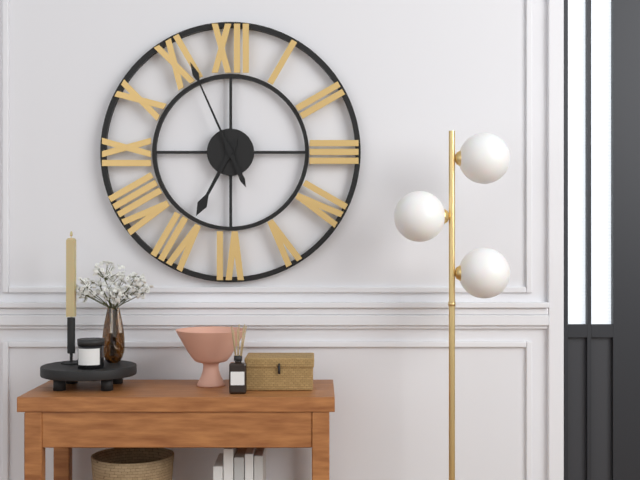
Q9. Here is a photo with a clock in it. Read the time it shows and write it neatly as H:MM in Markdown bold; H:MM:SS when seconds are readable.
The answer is **6:56**
